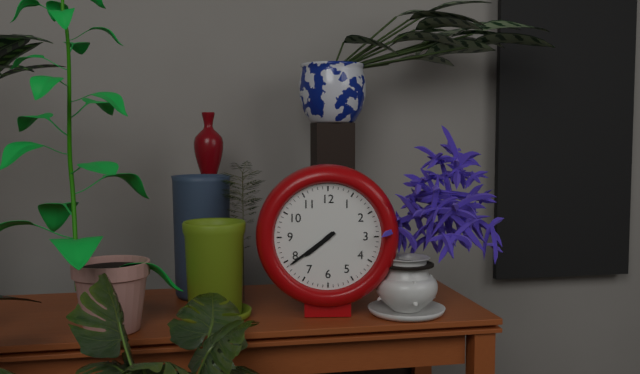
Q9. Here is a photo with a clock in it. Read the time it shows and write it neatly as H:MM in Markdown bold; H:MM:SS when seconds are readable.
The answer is **7:39**
